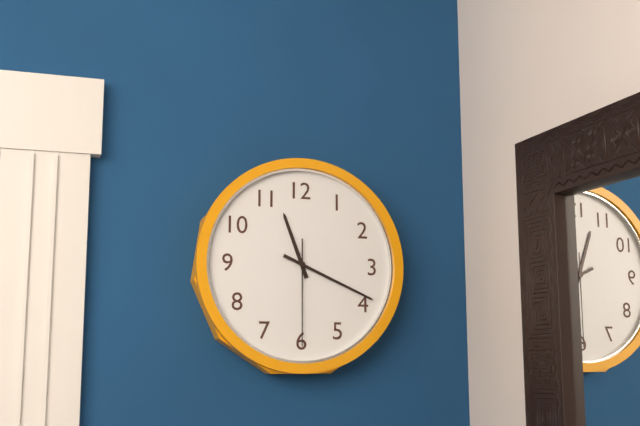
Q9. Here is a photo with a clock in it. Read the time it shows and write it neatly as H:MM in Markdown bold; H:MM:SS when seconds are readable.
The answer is **11:19:30**
